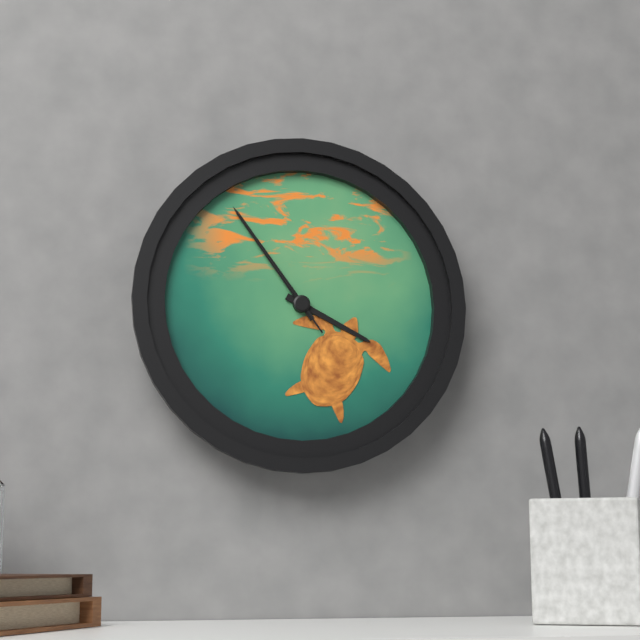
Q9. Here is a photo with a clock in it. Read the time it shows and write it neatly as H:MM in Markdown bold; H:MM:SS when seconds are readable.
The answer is **3:54:54**
